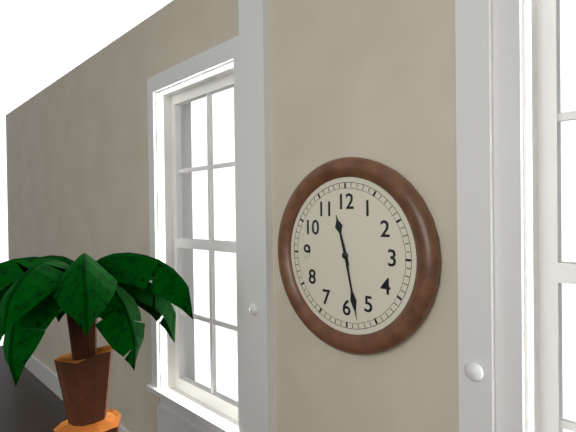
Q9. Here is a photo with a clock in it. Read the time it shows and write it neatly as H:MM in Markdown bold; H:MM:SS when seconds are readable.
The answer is **11:28**
